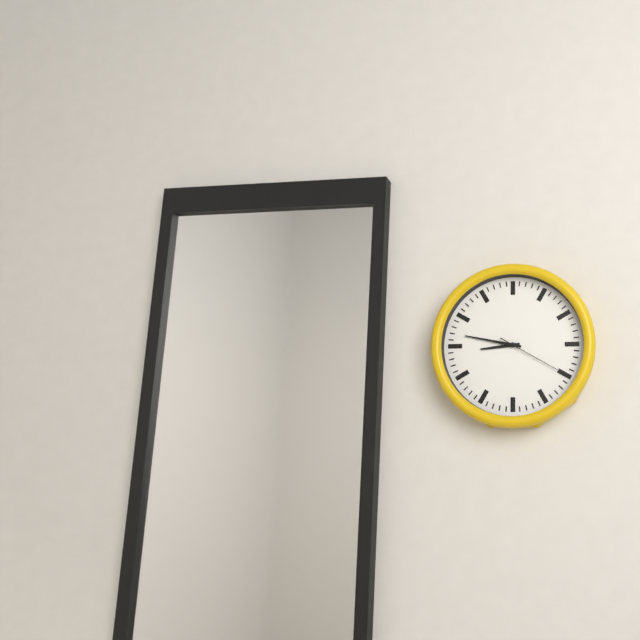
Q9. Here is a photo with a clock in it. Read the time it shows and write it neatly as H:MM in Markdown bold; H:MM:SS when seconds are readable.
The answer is **8:47:20**
